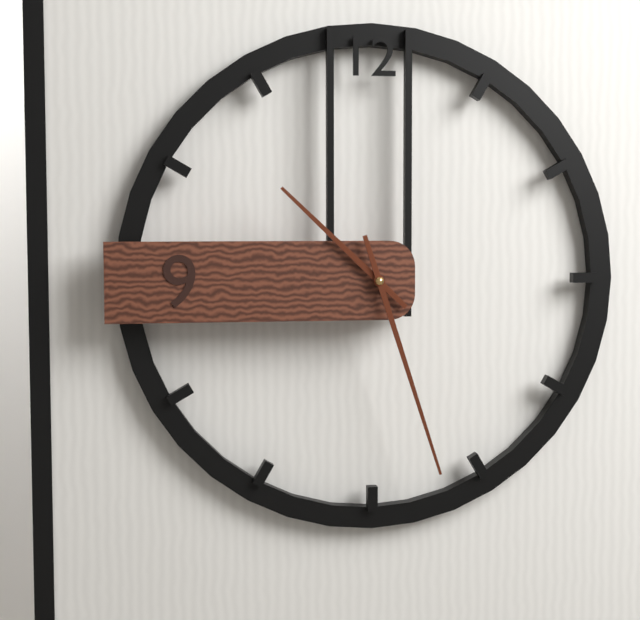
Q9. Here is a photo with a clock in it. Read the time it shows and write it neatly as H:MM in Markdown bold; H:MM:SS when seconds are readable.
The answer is **10:27**
